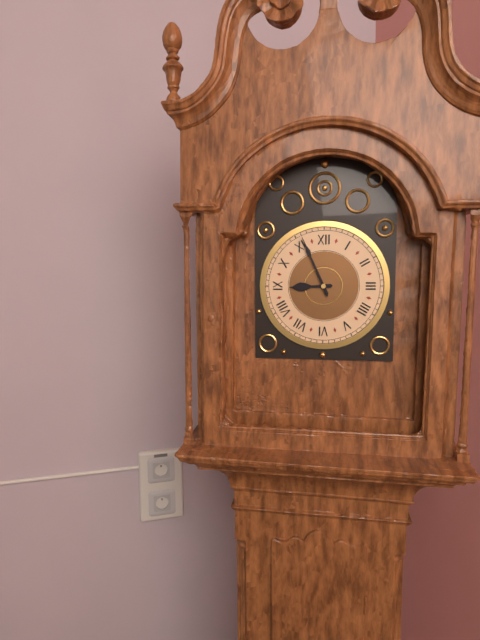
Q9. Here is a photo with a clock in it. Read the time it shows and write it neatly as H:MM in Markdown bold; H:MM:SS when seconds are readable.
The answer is **8:56**
